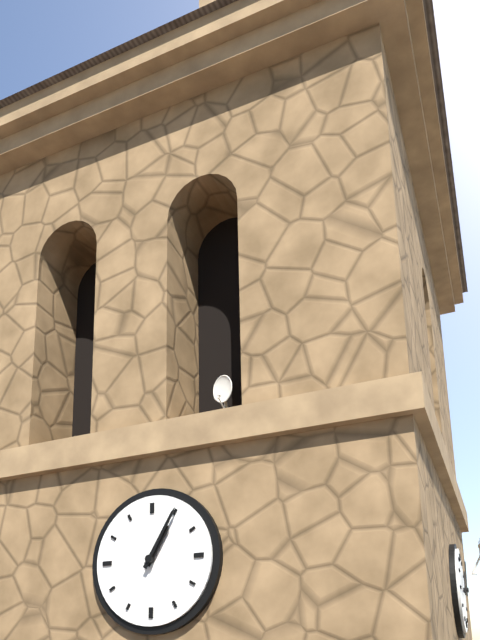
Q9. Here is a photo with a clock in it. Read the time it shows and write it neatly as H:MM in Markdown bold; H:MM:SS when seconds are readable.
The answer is **1:05**
